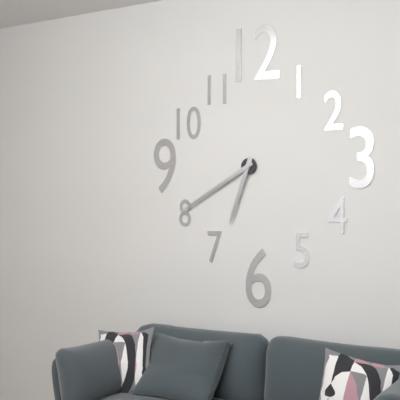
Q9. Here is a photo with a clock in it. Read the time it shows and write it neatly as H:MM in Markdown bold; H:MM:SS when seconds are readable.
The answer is **6:40**
